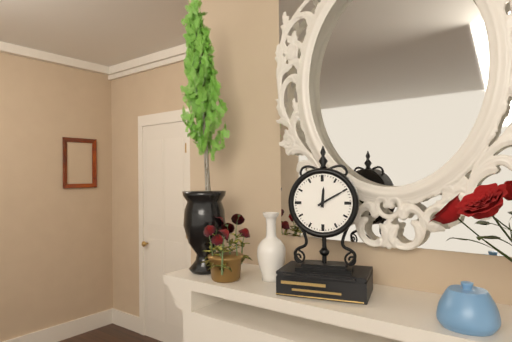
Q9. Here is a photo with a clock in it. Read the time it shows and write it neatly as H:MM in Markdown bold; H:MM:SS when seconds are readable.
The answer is **12:10**
